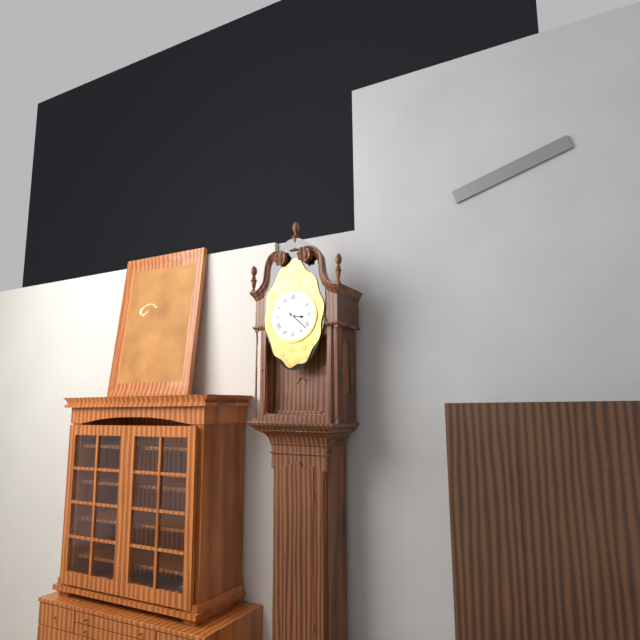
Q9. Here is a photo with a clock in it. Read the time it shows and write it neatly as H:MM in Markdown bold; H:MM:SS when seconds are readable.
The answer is **3:22**
